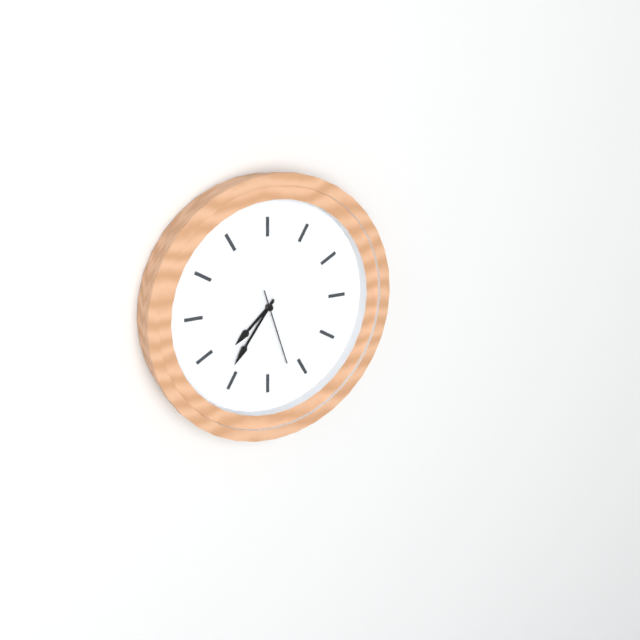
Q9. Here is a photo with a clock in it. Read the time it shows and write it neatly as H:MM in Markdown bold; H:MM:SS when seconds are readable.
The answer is **7:36:27**
